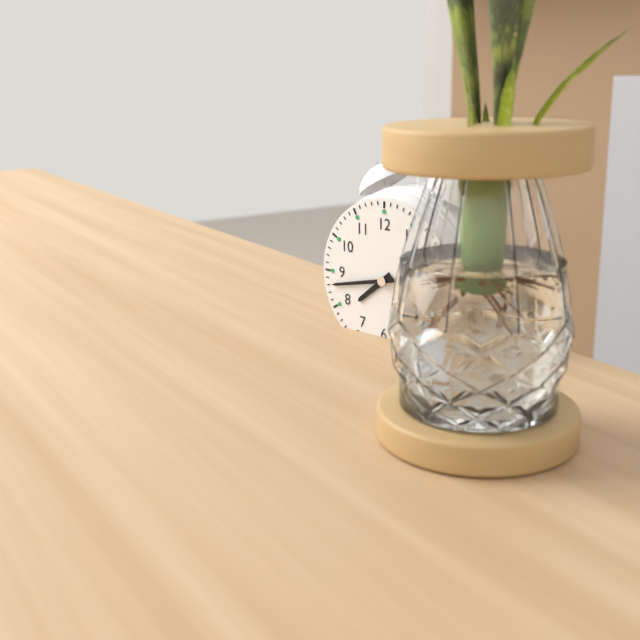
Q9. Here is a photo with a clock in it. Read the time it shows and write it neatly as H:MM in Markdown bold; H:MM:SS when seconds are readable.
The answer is **7:43**
